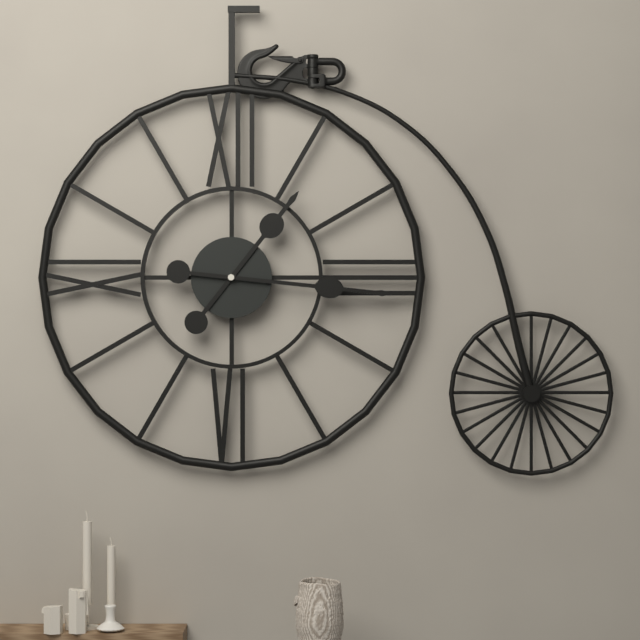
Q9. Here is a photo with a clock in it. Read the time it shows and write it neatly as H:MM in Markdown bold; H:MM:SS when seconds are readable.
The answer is **1:16**
